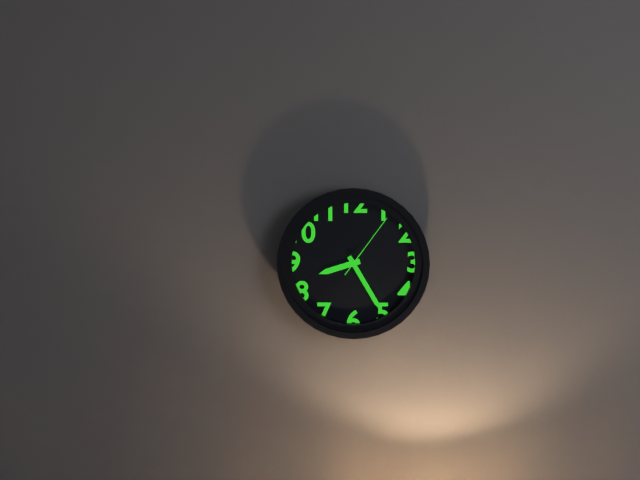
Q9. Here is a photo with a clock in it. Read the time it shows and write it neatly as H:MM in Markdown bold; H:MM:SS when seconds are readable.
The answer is **8:25:06**
